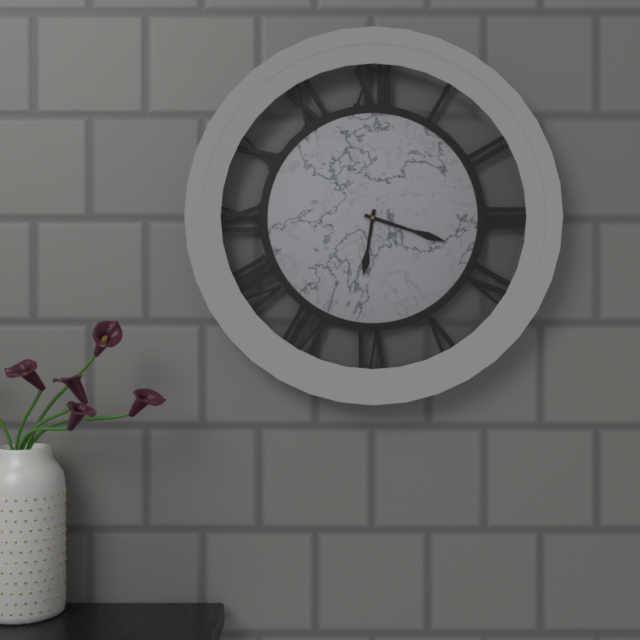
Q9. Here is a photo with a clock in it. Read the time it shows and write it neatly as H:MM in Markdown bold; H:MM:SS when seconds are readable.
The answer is **6:18**
